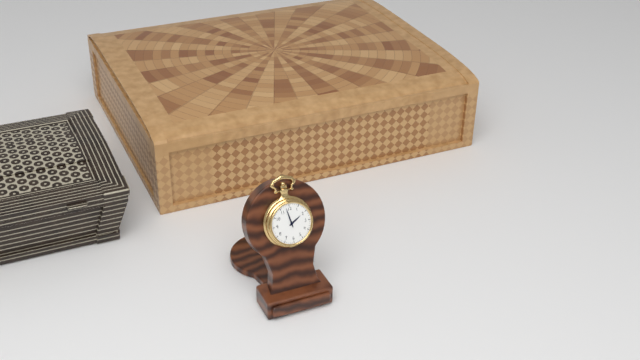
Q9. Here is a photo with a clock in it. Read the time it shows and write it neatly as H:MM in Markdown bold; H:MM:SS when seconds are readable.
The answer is **1:58**
